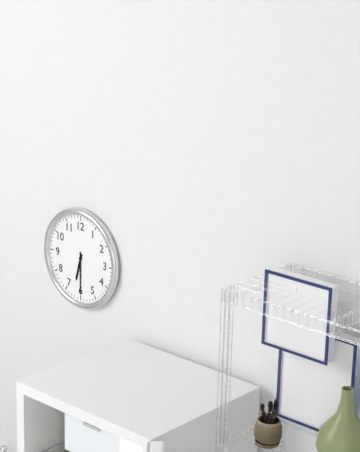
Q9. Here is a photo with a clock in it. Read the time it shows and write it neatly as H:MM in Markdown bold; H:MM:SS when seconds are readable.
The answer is **6:30**
